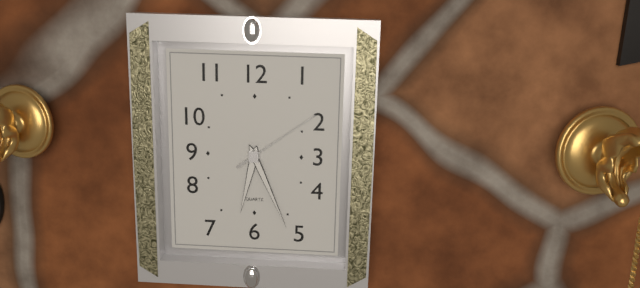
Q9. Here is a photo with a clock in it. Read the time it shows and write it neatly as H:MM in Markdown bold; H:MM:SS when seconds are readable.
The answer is **6:26:09**
